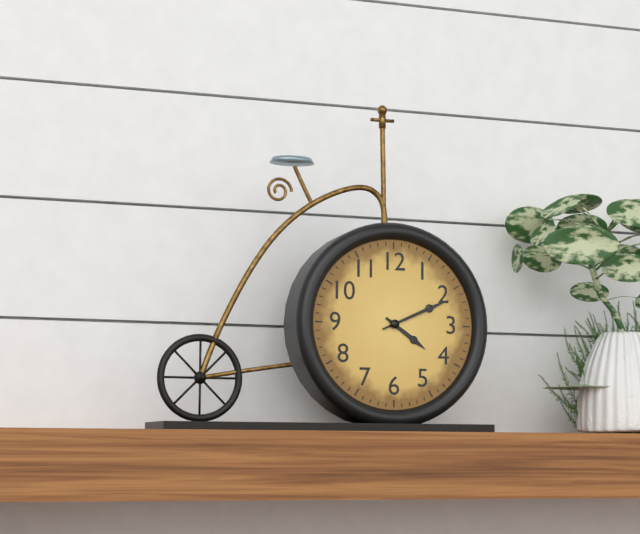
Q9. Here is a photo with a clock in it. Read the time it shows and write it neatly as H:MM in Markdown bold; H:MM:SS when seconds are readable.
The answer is **4:11**
